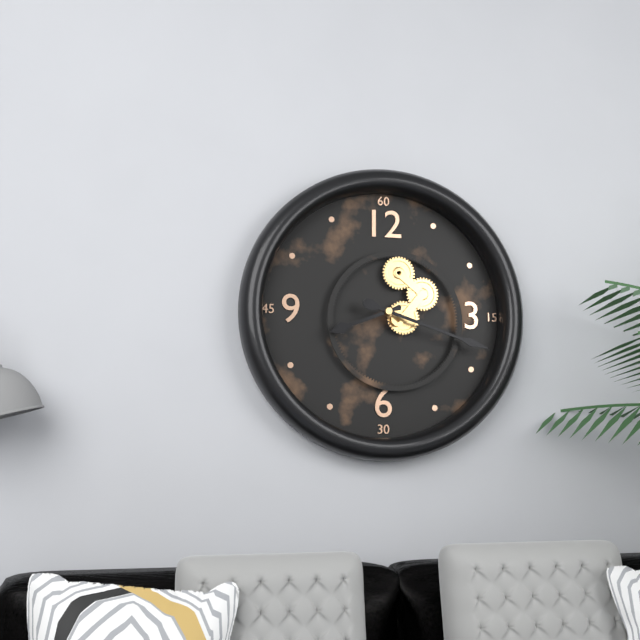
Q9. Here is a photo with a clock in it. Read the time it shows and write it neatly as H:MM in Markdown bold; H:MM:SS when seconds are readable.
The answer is **8:18**
